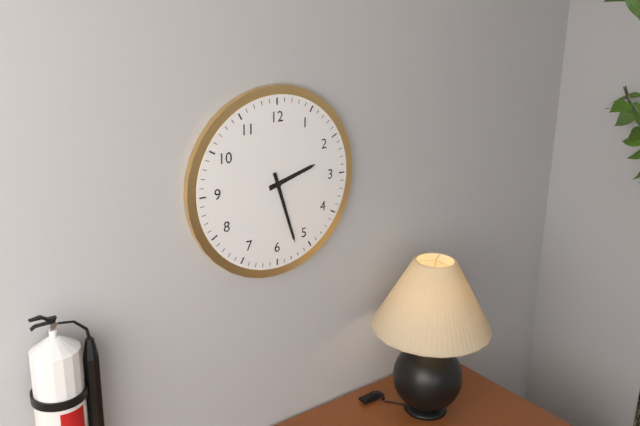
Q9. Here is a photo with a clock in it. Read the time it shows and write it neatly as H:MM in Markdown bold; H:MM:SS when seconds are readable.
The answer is **2:27**
